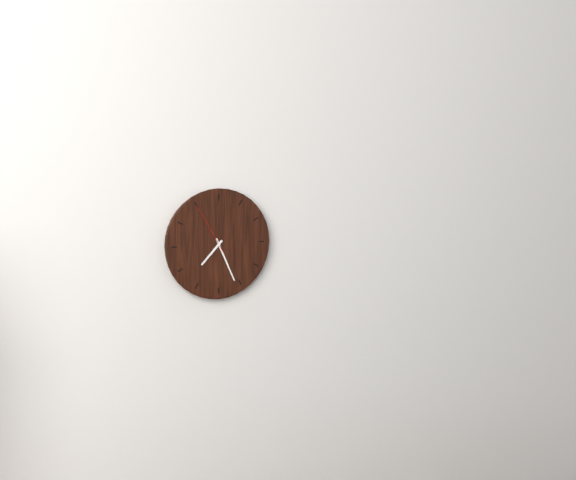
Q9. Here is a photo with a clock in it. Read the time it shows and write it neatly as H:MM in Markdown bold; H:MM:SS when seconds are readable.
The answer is **7:26:55**
